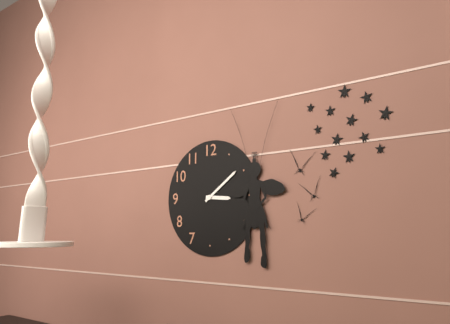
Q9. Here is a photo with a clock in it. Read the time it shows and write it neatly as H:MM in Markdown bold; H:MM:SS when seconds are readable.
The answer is **3:09**
